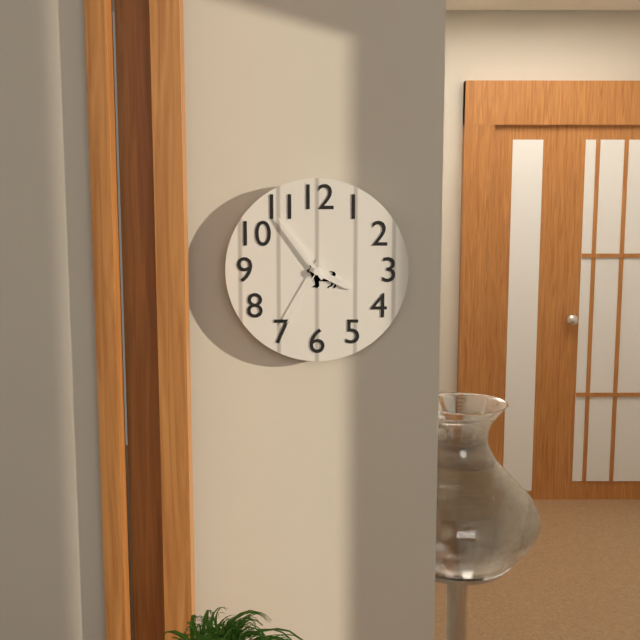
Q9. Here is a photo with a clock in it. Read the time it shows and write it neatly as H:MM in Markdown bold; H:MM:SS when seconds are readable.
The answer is **3:54:35**
